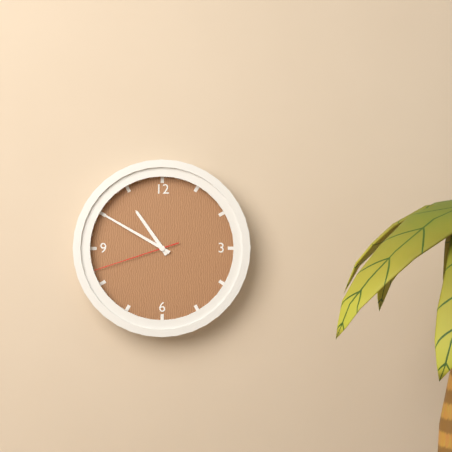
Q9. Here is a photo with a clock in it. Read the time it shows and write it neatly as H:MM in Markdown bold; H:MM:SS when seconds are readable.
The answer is **10:50:42**
